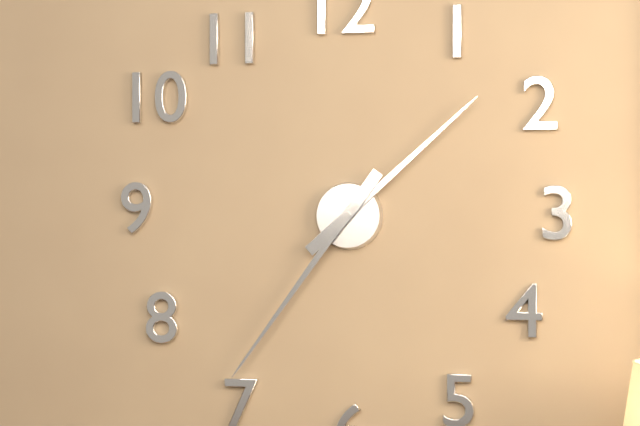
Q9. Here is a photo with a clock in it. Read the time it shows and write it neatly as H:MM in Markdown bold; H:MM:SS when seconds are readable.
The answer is **1:36**
